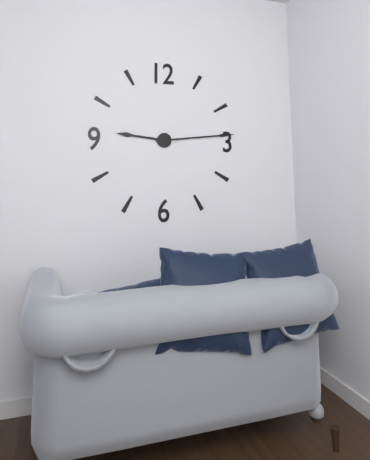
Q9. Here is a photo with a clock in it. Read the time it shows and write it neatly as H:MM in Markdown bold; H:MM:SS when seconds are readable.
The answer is **9:14**
